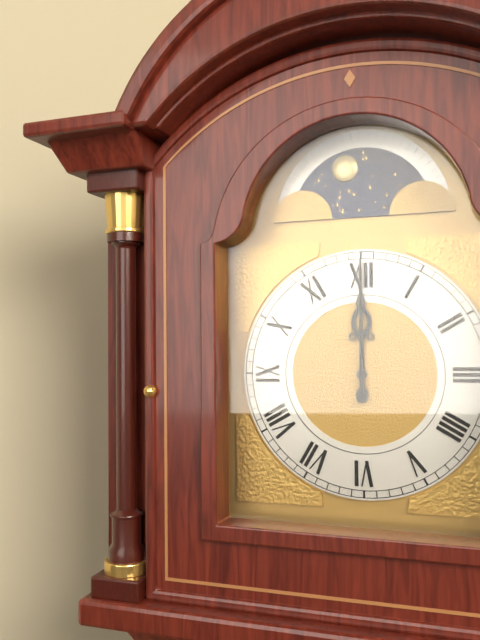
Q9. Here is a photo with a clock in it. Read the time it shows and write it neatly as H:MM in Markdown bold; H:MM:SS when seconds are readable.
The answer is **12:00**
